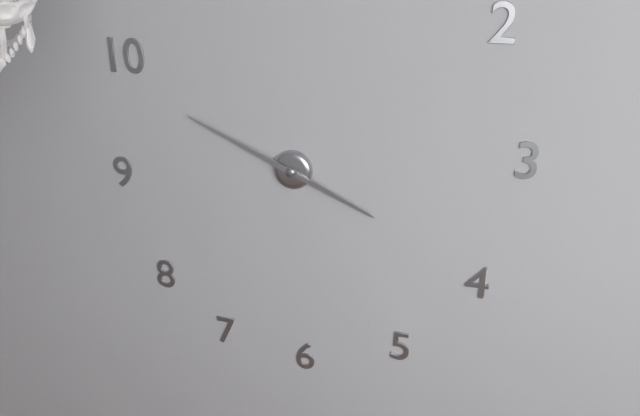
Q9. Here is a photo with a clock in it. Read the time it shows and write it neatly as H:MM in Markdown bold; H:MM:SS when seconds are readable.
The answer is **3:49**
